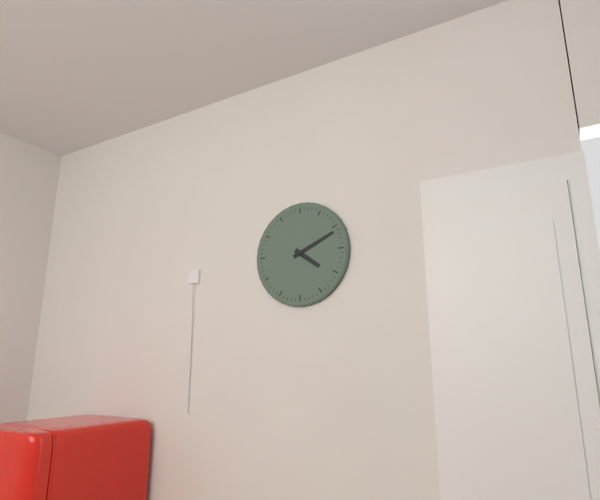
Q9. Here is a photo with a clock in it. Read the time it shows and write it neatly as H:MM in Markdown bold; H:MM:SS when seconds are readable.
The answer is **4:11**
